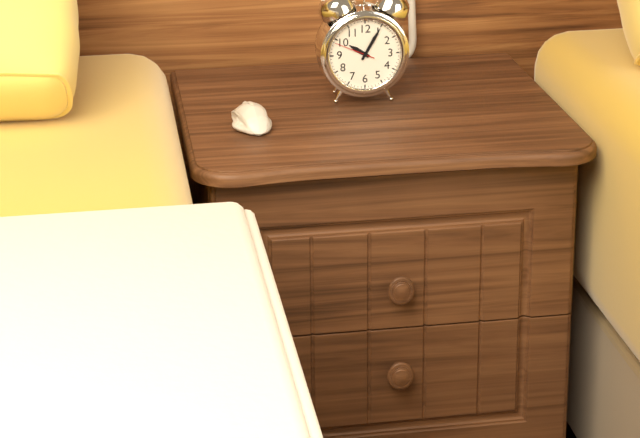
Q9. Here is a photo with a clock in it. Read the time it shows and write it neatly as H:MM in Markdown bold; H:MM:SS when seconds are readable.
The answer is **10:05**
